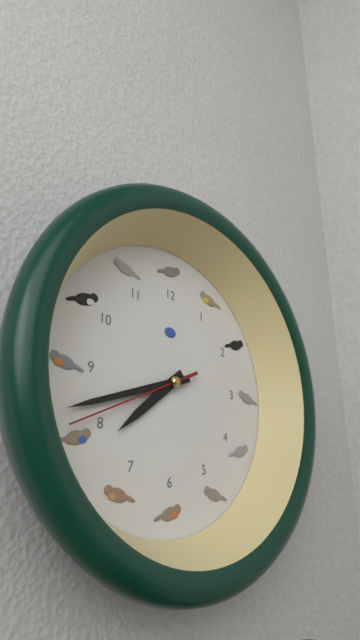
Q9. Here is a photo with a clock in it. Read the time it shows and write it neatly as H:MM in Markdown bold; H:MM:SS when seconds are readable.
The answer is **7:42:41**
